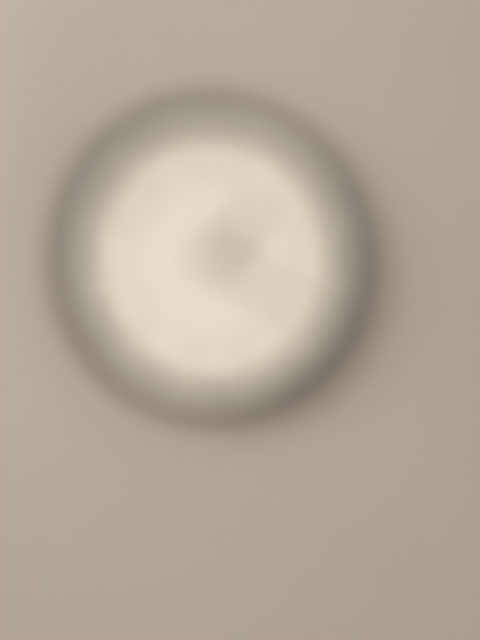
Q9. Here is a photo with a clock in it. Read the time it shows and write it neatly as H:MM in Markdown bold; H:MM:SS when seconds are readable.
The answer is **1:20**
